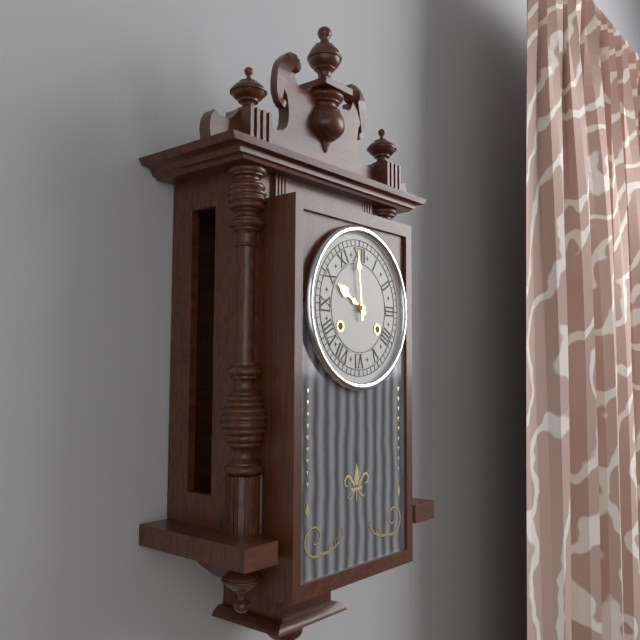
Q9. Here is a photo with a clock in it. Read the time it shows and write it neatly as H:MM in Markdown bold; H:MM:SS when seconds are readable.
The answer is **9:59**
